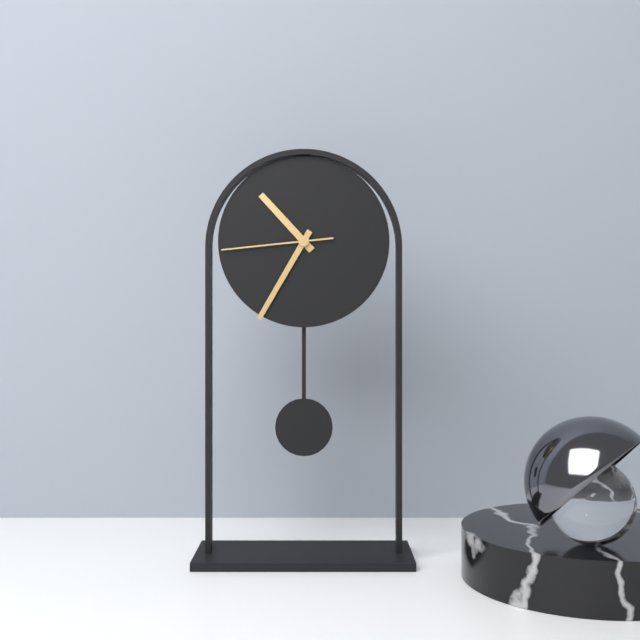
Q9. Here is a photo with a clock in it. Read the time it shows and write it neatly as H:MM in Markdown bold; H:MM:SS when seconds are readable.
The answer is **10:35:44**
